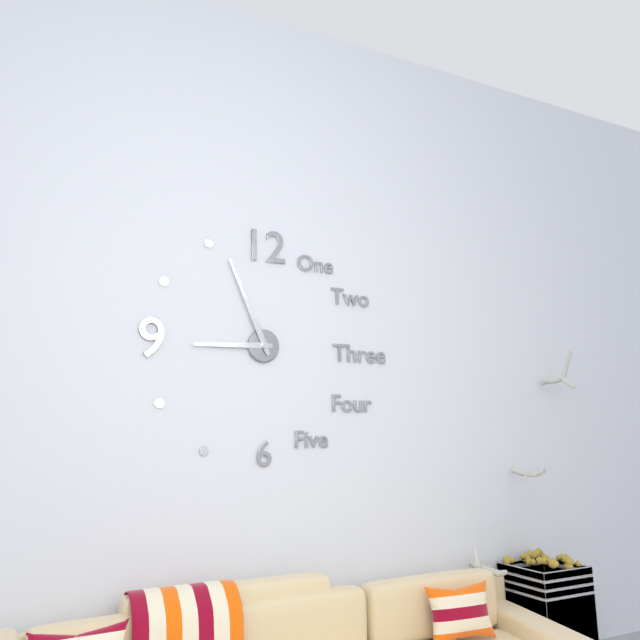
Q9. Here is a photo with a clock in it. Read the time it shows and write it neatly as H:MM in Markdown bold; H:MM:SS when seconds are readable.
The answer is **8:56**
